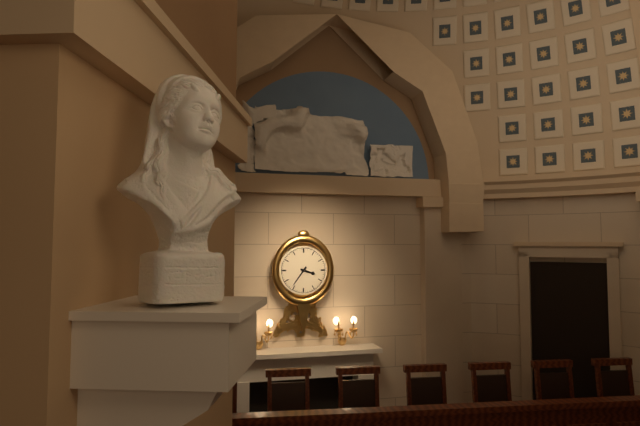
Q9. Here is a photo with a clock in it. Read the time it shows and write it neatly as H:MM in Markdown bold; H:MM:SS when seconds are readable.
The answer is **3:36**
